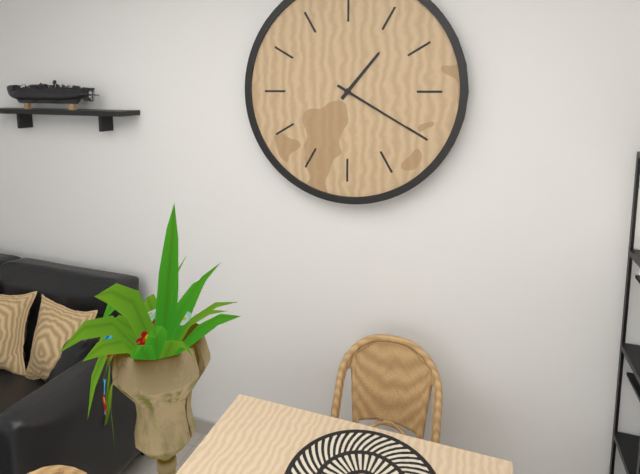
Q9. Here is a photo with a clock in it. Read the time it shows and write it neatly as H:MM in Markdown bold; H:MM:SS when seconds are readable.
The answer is **1:20**
